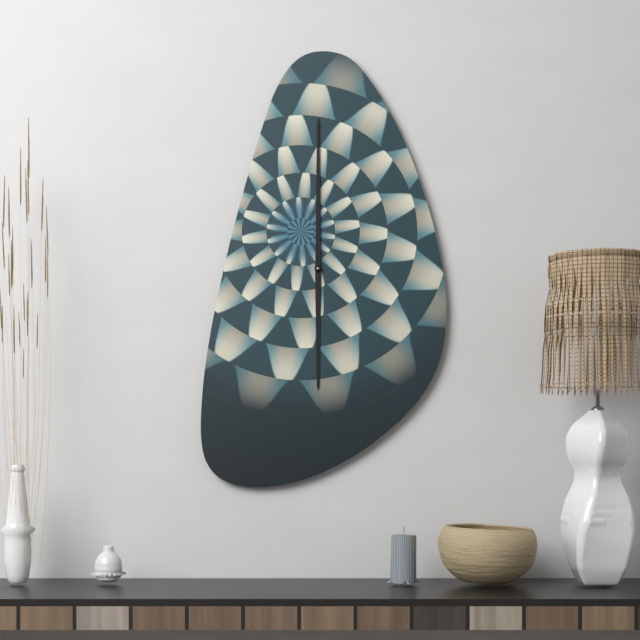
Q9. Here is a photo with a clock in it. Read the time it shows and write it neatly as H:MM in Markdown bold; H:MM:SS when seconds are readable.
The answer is **6:00**
